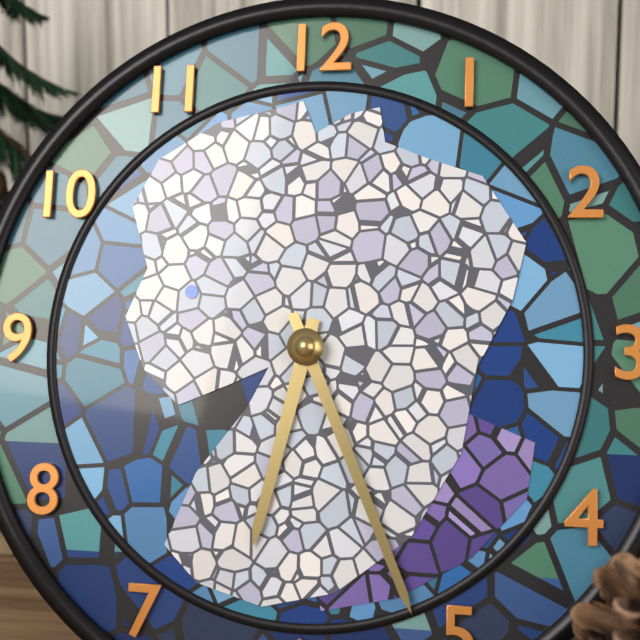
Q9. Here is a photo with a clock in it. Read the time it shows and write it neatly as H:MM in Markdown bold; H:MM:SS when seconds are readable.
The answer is **6:26**
